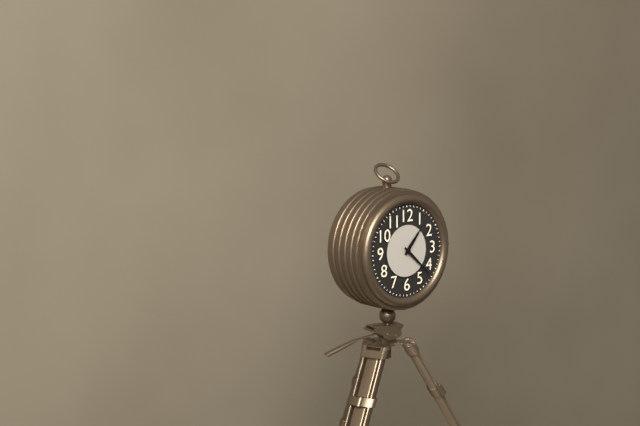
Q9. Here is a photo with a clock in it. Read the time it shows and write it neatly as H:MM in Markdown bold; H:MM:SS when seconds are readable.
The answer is **1:22**
